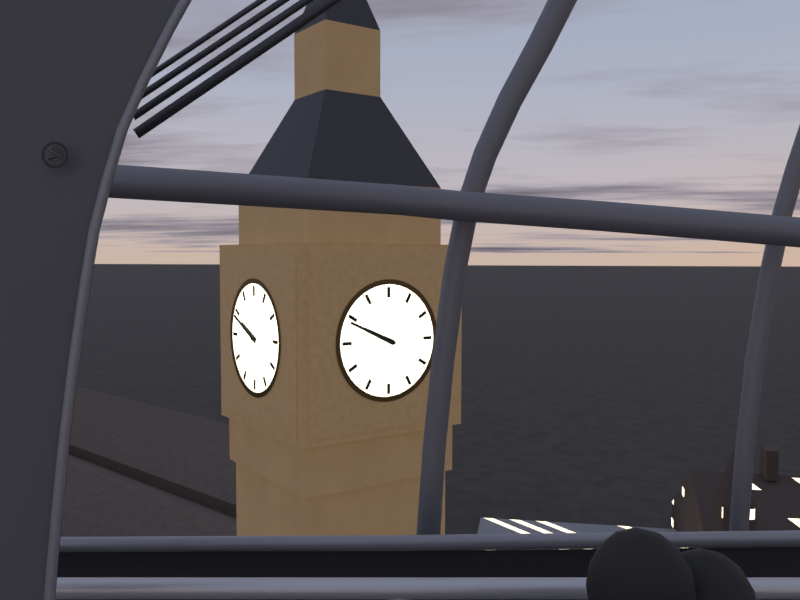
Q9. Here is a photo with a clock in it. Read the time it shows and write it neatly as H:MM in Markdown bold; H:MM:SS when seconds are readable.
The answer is **9:49**
